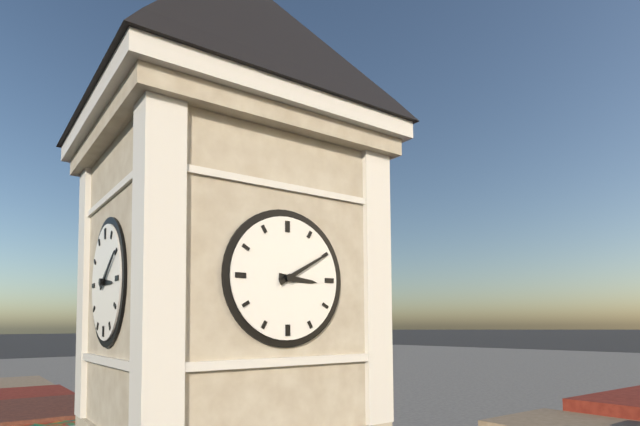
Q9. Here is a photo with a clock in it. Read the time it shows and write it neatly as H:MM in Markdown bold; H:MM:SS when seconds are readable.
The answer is **3:10**
